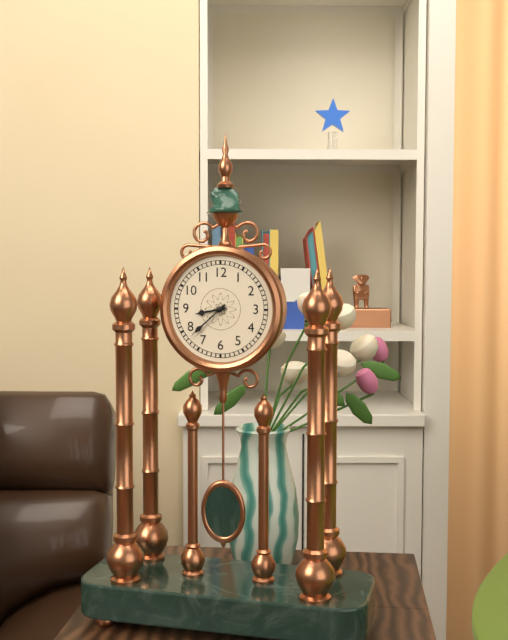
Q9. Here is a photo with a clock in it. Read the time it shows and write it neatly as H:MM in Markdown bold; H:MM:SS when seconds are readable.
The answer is **8:38**
